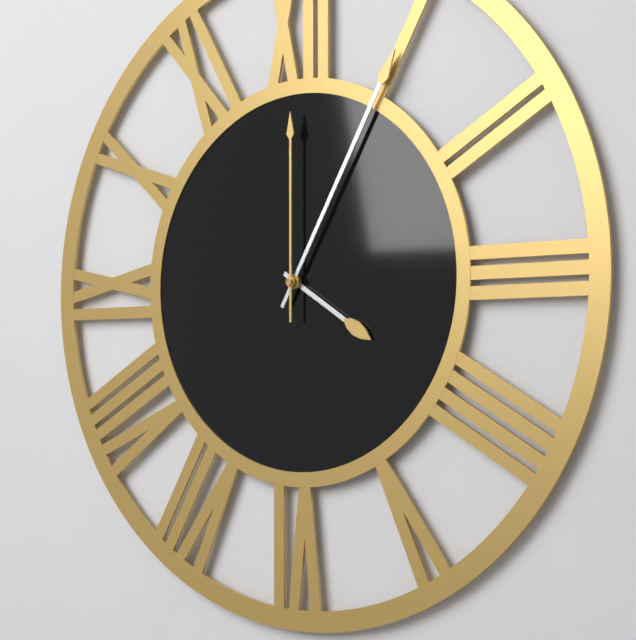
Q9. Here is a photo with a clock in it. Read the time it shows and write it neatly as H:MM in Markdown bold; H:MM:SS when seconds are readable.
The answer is **4:05:00**
